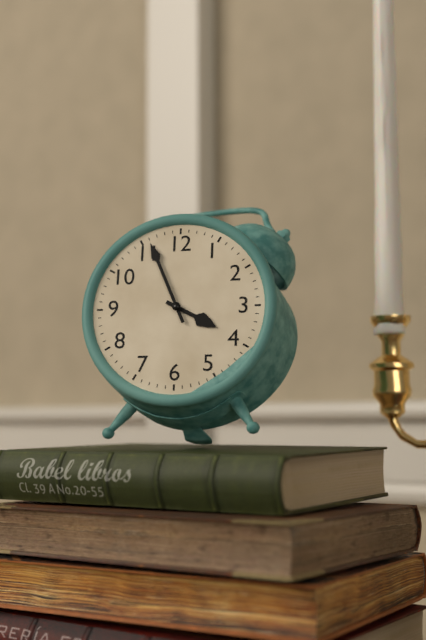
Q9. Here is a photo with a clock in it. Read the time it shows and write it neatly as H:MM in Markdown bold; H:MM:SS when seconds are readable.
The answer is **3:56**
